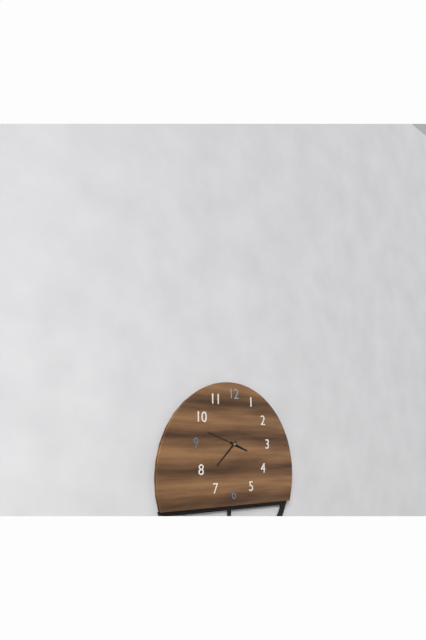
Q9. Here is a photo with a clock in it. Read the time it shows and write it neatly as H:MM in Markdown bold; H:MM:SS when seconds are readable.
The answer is **3:38**
